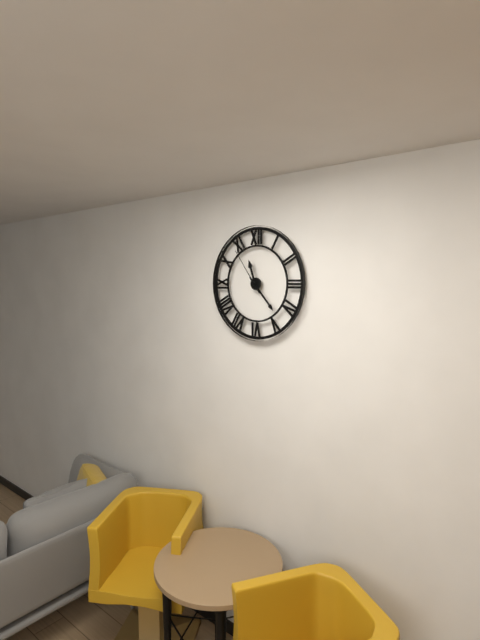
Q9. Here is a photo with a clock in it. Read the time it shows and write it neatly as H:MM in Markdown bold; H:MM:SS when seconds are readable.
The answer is **11:23**
